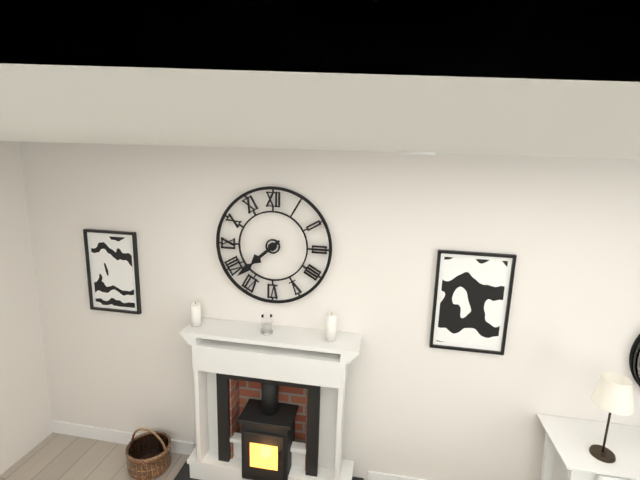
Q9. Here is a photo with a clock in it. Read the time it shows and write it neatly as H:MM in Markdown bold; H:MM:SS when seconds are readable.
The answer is **7:38**
